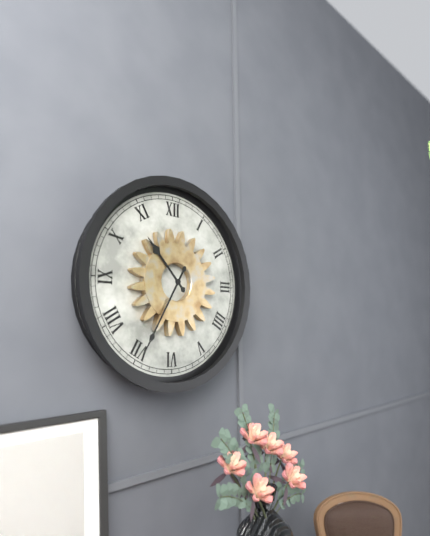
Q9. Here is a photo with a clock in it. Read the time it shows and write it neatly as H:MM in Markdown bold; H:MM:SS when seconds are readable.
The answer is **10:35**
